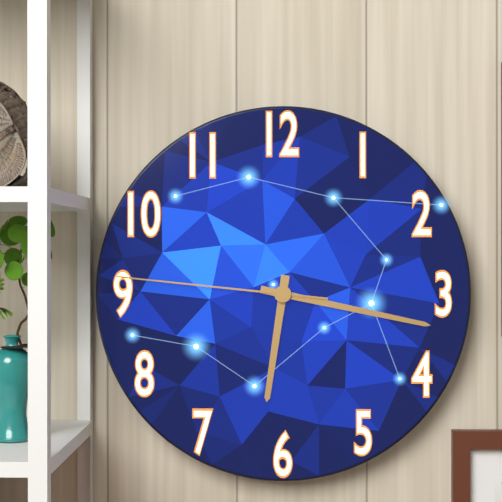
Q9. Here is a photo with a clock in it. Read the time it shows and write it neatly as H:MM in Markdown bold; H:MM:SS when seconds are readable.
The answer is **6:17:46**
